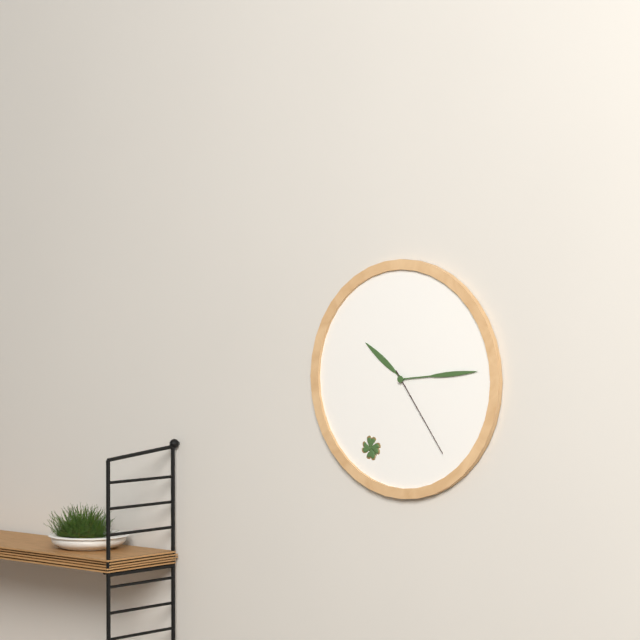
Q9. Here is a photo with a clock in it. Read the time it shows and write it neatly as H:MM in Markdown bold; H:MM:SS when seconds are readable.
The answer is **10:14:24**
